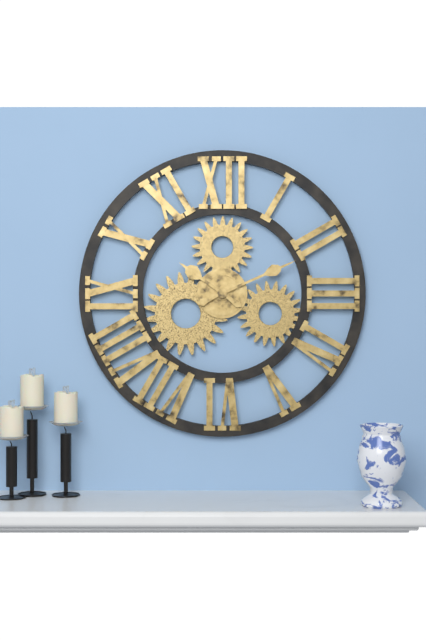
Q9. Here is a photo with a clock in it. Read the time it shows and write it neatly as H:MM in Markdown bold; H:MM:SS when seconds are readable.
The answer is **10:11**
